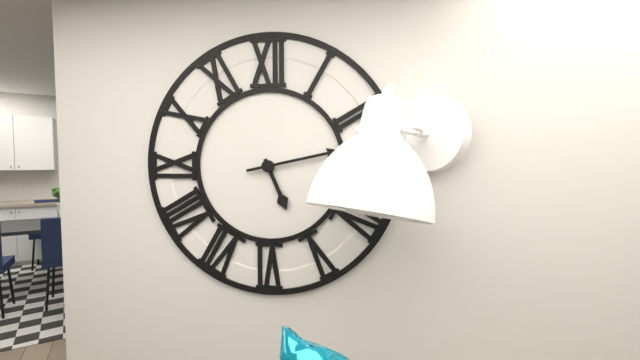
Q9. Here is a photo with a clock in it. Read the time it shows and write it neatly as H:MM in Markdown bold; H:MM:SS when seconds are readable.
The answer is **5:13**
